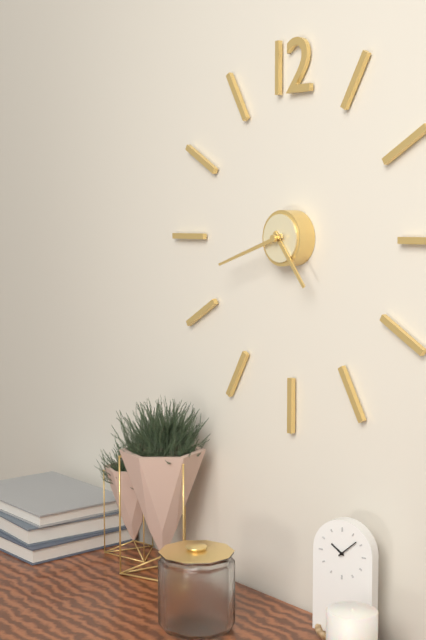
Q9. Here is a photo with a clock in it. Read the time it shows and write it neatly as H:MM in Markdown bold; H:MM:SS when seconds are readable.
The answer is **4:42**
